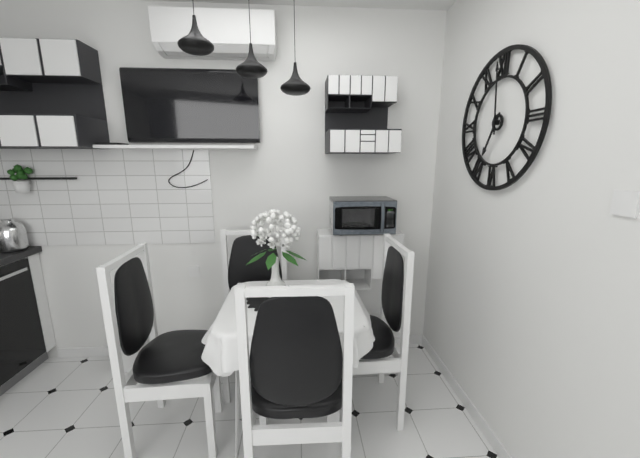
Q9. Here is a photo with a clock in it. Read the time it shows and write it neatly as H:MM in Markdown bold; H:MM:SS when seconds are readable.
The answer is **6:59**
